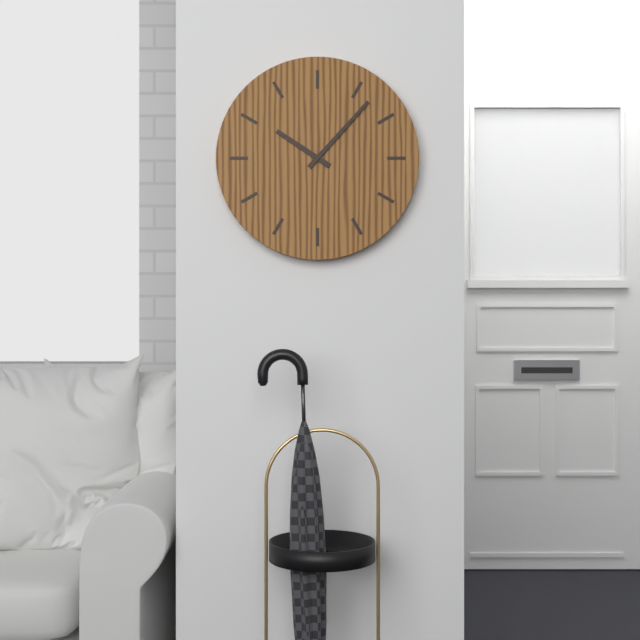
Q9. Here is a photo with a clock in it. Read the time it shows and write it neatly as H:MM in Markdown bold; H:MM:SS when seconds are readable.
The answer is **10:07**
